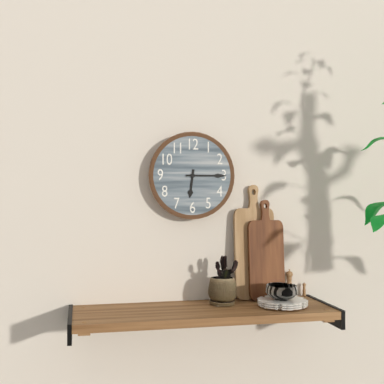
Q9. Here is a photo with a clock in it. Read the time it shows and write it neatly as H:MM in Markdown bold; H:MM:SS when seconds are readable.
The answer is **6:15**
